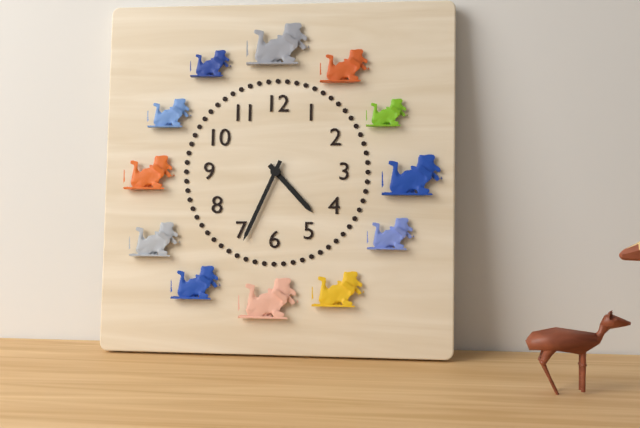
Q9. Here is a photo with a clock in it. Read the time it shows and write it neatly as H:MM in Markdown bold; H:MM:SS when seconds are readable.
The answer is **4:34**
